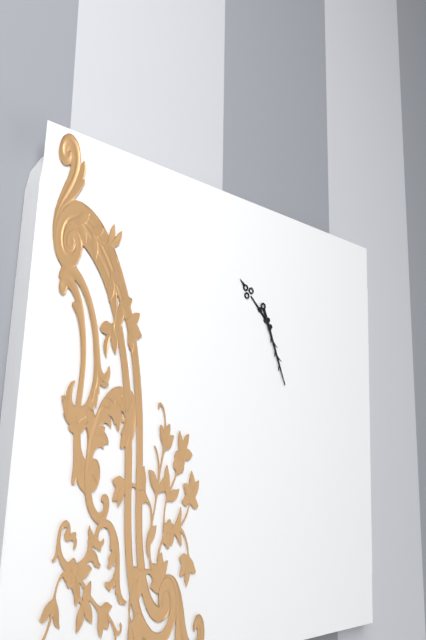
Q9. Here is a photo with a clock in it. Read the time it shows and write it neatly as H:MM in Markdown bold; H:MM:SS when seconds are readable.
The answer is **10:26**
